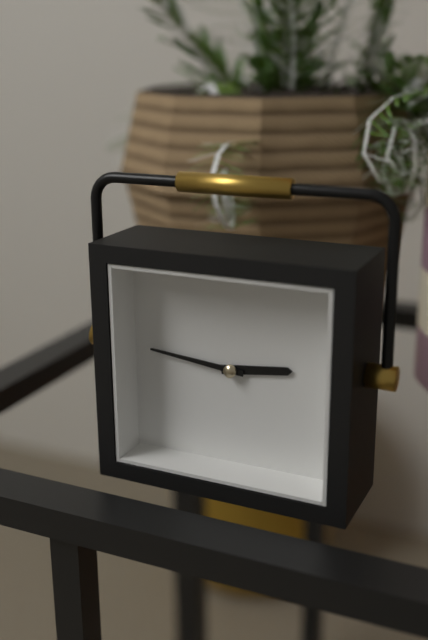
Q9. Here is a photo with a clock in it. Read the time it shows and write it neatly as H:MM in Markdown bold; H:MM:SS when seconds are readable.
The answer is **2:46**
